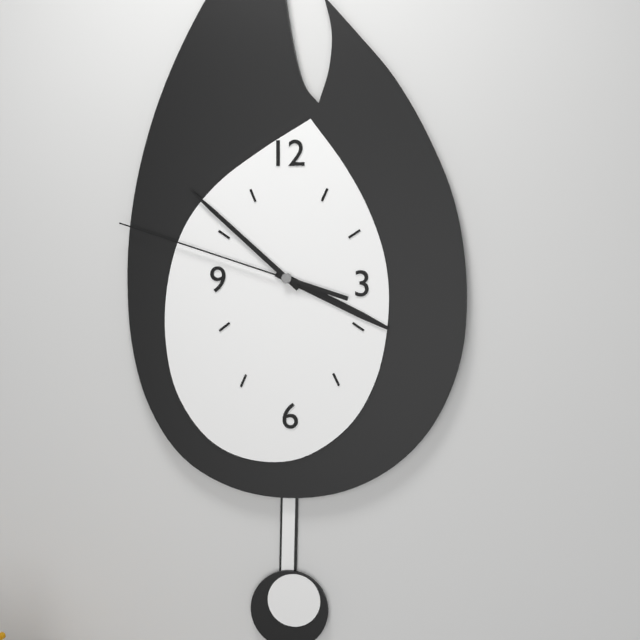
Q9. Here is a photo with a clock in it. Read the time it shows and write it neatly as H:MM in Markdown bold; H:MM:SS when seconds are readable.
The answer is **3:52:48**
